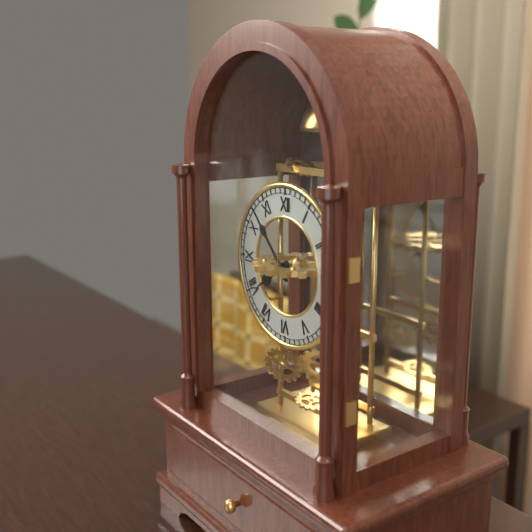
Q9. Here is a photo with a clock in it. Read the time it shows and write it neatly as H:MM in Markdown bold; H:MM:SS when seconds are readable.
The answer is **7:53**
